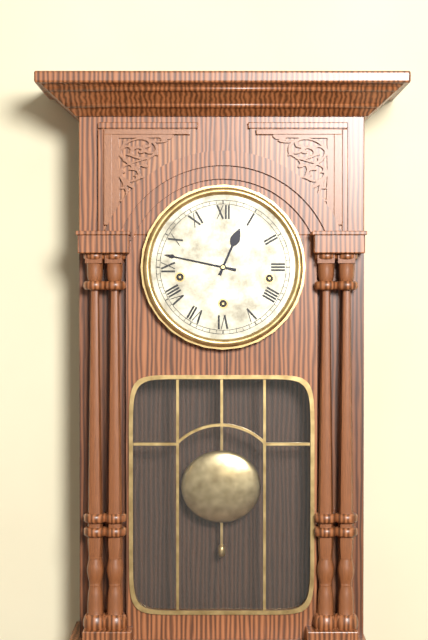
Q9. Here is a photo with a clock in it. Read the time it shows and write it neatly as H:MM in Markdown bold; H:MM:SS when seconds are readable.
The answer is **12:47**
